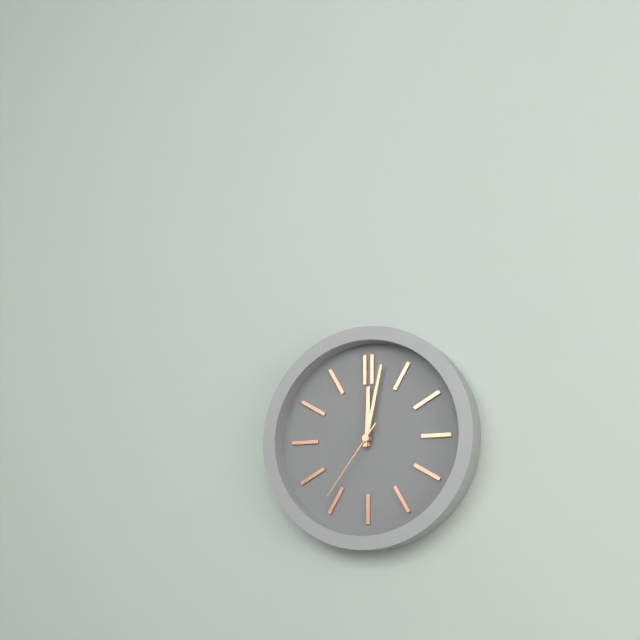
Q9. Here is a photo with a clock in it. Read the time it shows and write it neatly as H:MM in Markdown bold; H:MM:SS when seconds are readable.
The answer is **12:02:36**
